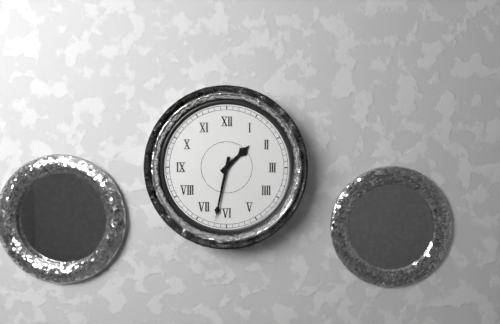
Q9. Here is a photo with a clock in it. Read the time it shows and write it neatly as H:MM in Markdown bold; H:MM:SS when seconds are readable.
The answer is **1:32**
